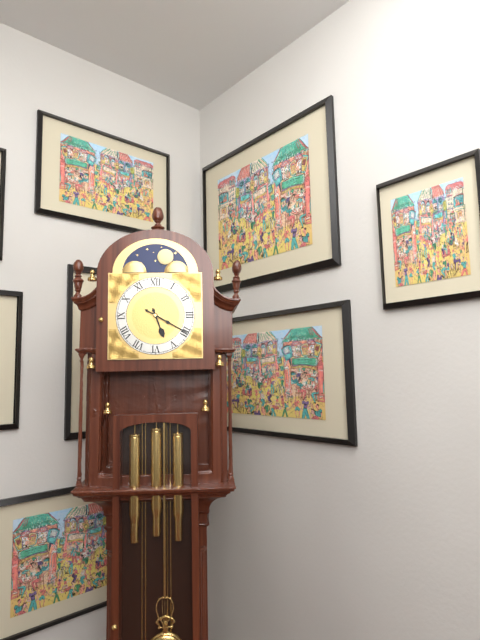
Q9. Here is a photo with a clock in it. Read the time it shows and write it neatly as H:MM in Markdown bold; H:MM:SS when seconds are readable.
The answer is **5:20**
